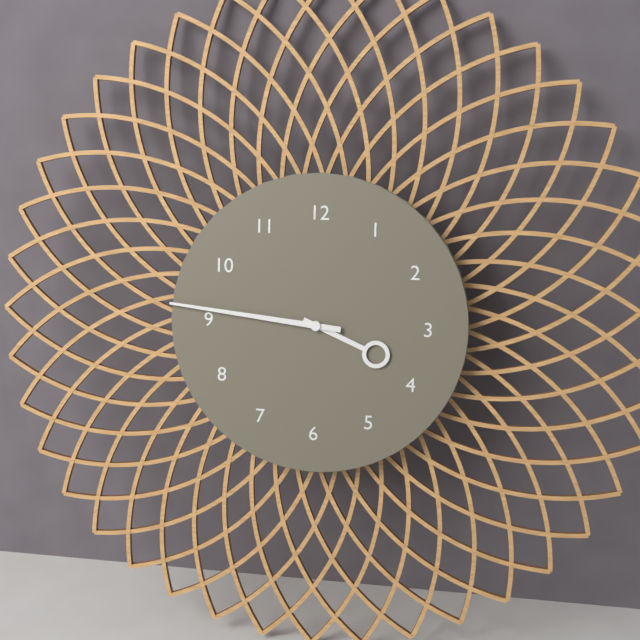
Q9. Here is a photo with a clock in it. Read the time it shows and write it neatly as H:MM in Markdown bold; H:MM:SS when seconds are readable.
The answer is **3:46**
